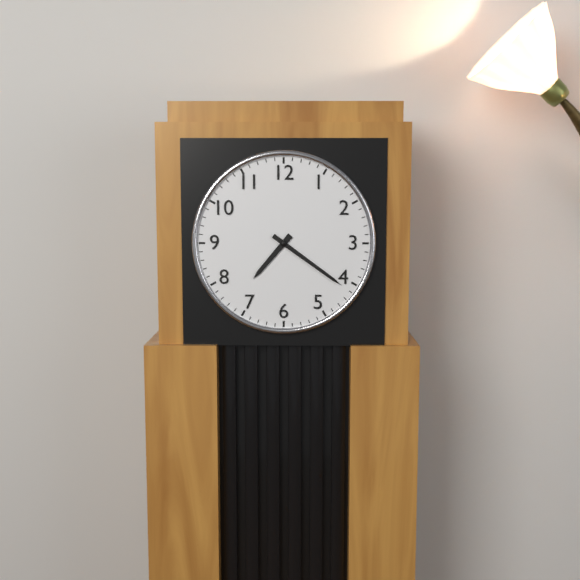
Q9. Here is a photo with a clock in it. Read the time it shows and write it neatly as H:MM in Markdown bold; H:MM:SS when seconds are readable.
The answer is **7:21**
